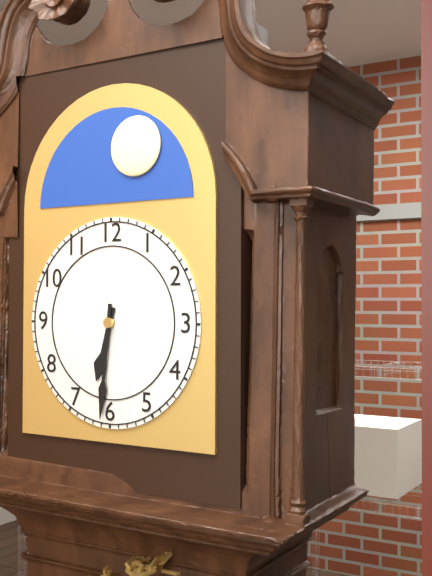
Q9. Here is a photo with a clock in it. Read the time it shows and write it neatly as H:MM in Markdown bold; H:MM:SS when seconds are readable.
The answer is **6:31**
